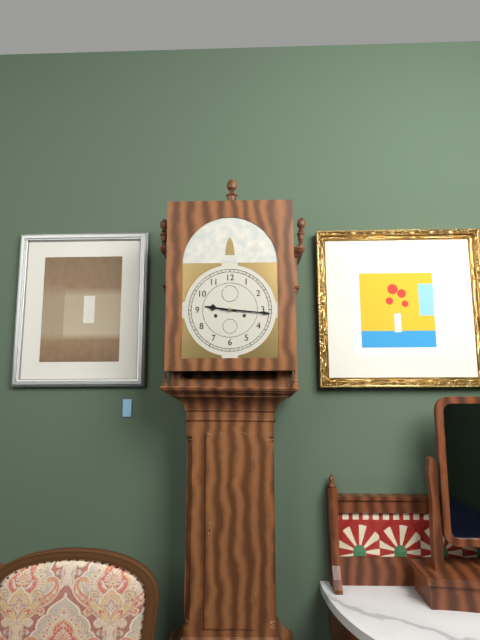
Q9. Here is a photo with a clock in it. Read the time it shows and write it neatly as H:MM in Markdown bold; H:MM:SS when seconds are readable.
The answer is **9:16**
